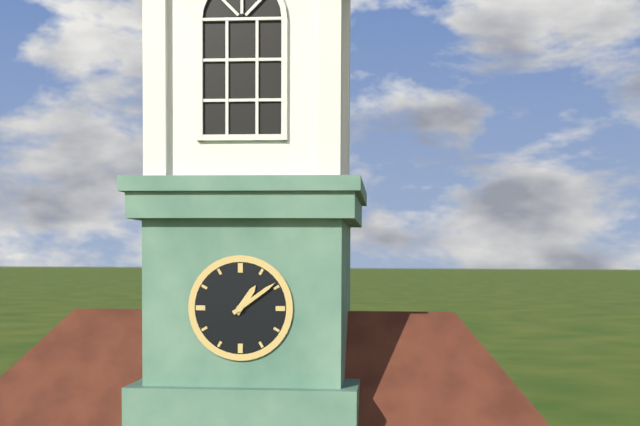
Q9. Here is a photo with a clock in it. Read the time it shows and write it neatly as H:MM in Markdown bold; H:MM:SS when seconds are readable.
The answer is **1:09**
